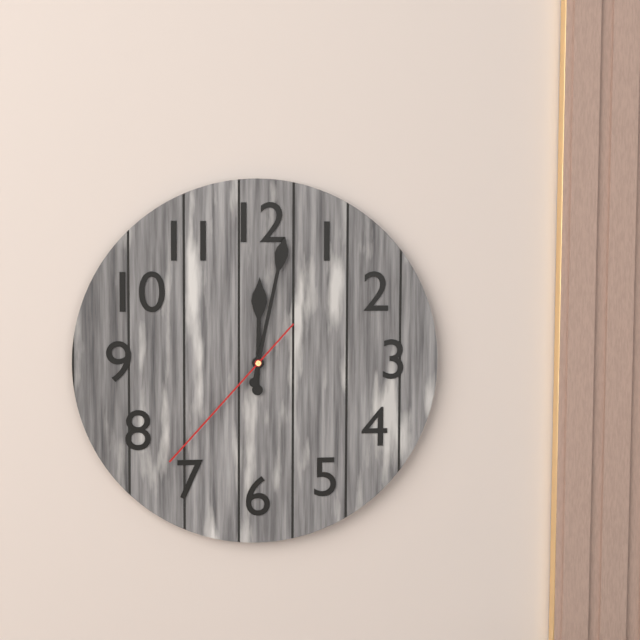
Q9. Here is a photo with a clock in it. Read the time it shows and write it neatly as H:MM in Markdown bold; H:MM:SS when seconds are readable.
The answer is **12:02:37**
